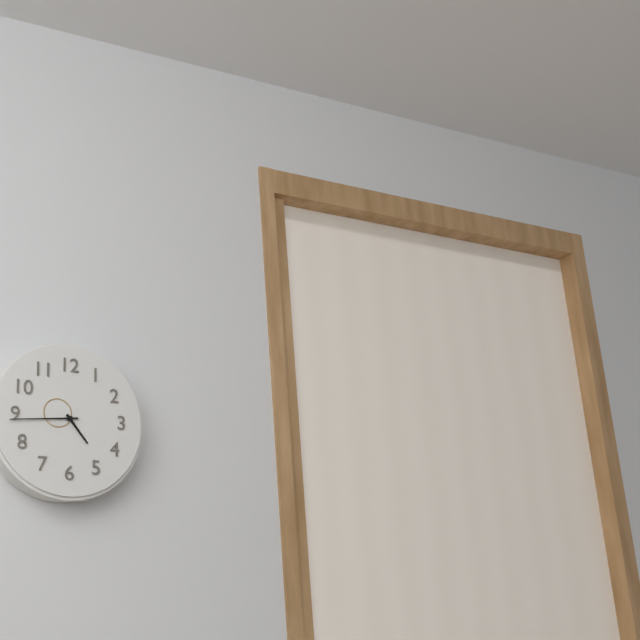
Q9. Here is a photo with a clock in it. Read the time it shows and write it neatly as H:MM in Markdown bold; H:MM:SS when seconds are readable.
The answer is **4:44**
